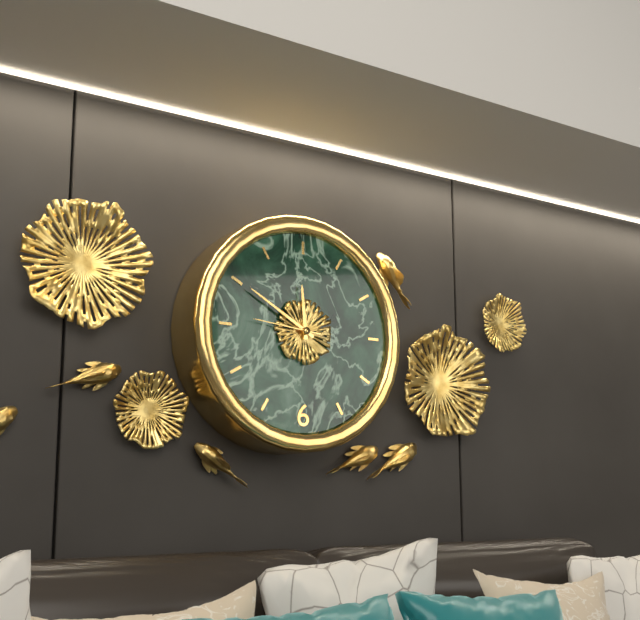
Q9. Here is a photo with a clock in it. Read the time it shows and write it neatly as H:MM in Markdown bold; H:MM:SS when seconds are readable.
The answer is **11:50:46**
